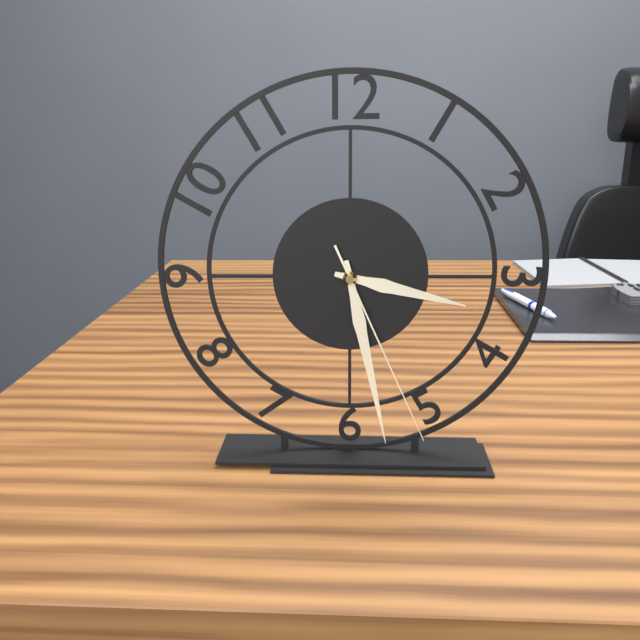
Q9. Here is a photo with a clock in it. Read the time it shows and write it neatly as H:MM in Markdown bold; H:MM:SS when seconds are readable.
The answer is **3:28:26**
